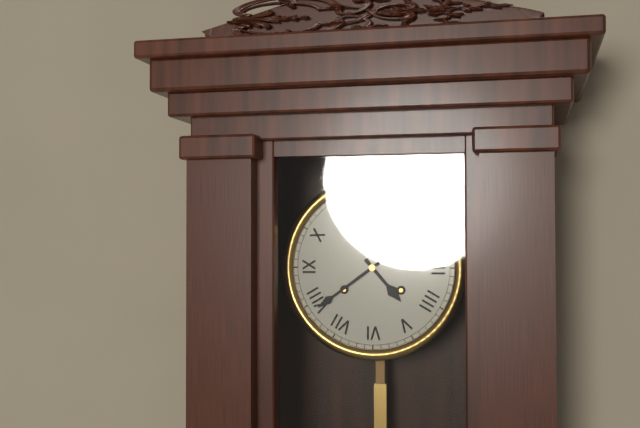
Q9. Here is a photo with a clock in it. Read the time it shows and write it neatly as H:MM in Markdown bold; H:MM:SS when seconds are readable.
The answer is **4:39**
